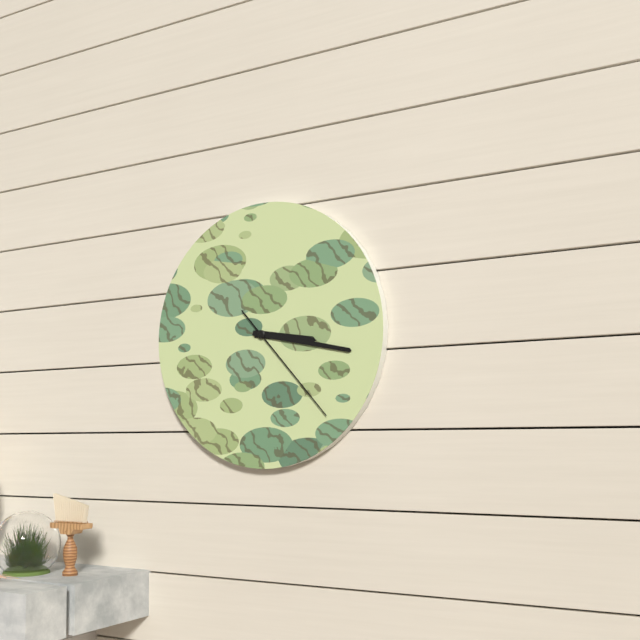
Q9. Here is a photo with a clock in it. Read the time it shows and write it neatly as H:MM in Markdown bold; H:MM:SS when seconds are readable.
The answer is **3:17:23**
